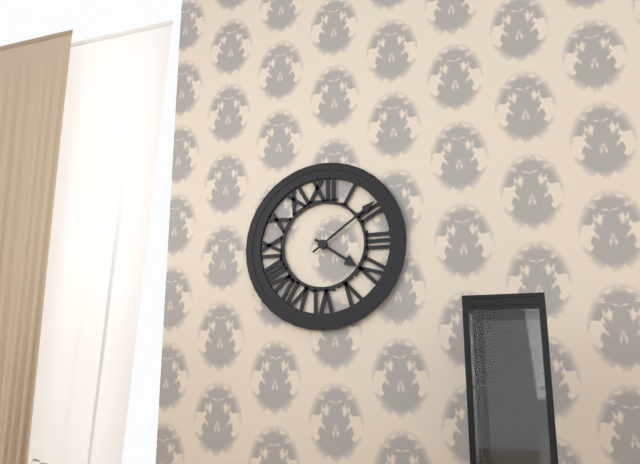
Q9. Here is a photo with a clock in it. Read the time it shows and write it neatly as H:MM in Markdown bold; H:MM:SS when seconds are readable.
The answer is **4:09**
